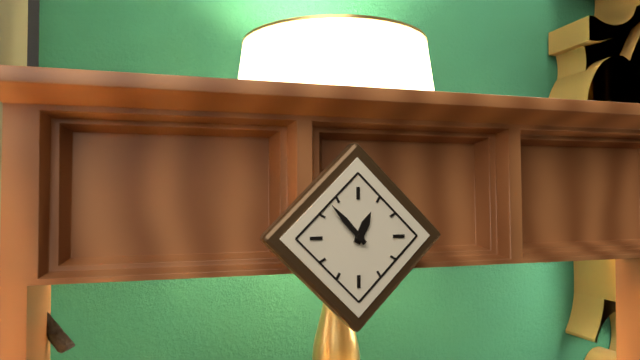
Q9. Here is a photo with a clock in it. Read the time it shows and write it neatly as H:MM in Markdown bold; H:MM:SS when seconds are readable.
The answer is **12:53**
